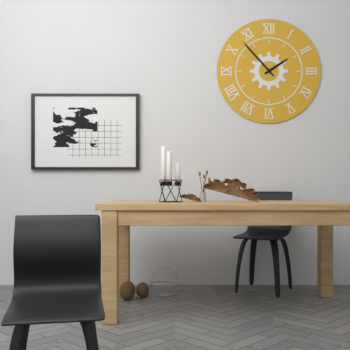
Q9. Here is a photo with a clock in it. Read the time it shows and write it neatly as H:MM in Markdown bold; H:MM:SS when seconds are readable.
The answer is **1:53**
